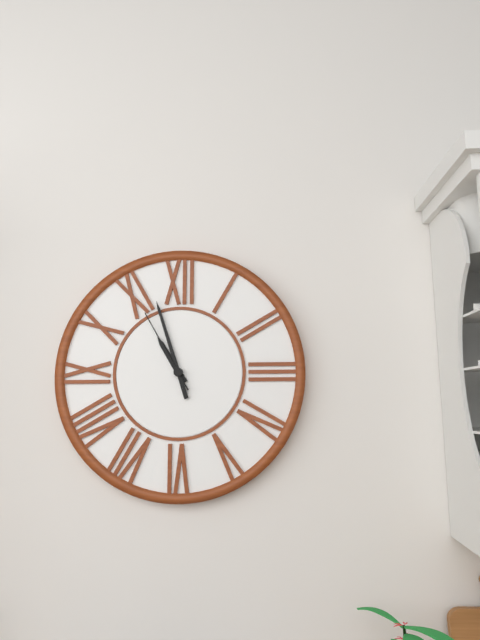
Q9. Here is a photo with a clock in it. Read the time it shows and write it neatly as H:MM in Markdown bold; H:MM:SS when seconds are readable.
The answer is **10:57:55**
